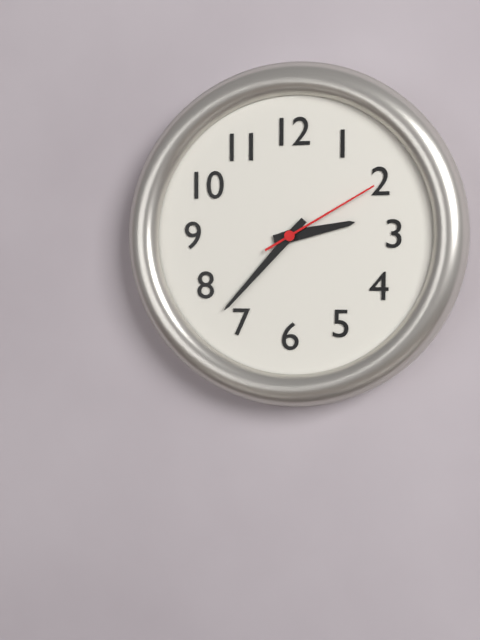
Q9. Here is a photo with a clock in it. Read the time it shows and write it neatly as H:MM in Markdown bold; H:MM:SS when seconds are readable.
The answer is **2:37:10**
